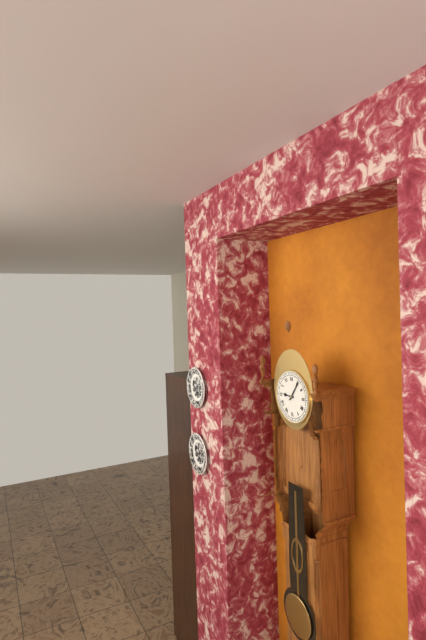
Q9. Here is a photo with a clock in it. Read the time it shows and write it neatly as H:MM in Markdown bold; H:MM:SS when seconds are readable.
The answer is **9:06**
